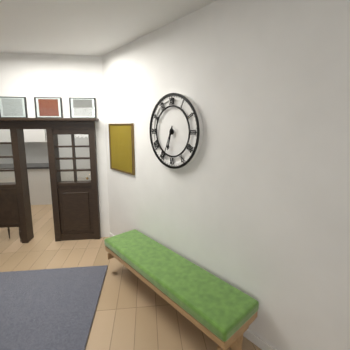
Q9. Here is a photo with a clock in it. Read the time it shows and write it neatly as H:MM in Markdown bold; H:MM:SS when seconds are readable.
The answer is **6:34**
